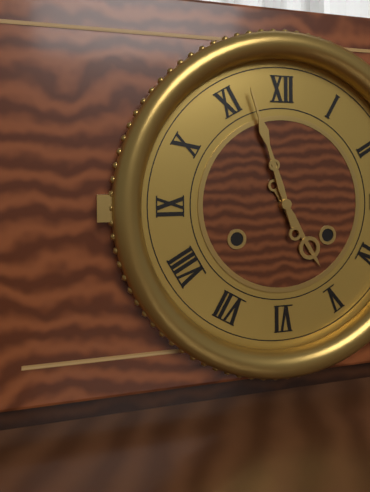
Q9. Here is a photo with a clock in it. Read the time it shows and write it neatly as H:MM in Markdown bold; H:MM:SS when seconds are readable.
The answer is **4:57**
